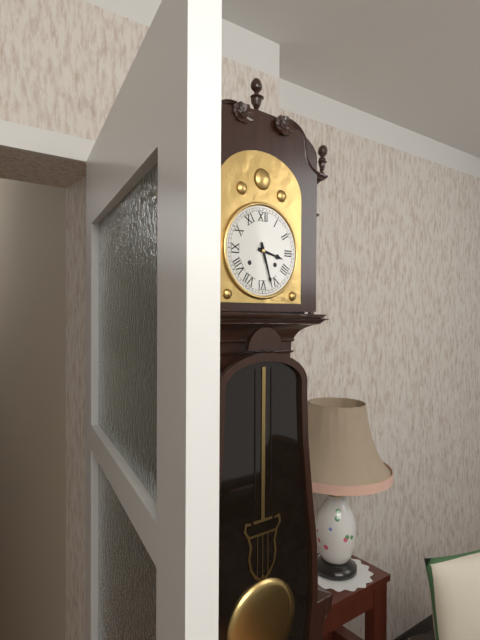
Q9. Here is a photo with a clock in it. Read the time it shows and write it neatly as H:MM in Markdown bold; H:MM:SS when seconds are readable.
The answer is **3:27**
